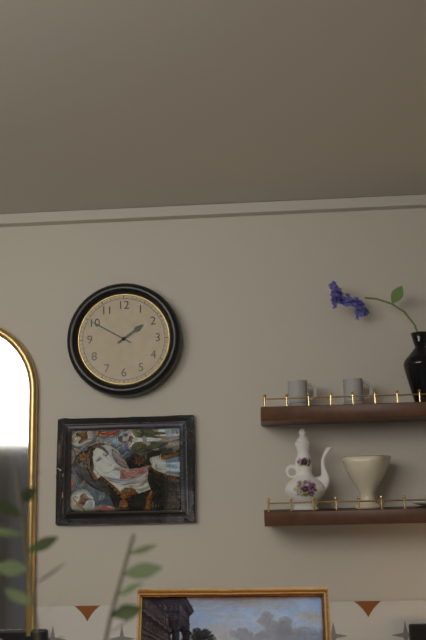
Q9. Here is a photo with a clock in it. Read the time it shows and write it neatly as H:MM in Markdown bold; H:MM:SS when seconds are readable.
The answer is **1:50**
